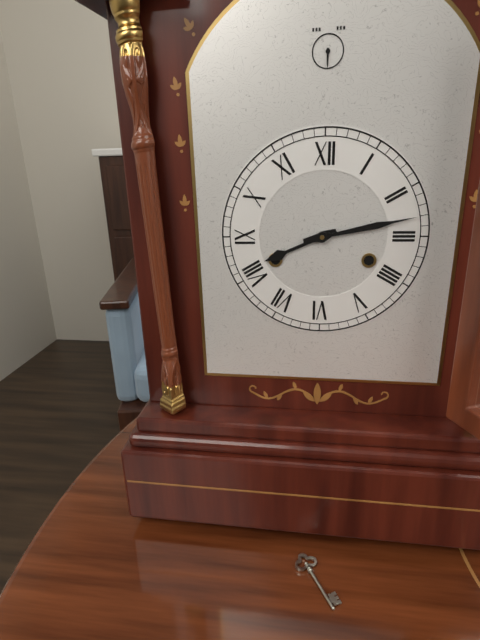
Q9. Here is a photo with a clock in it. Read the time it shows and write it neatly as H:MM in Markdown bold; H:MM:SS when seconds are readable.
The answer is **8:13**
